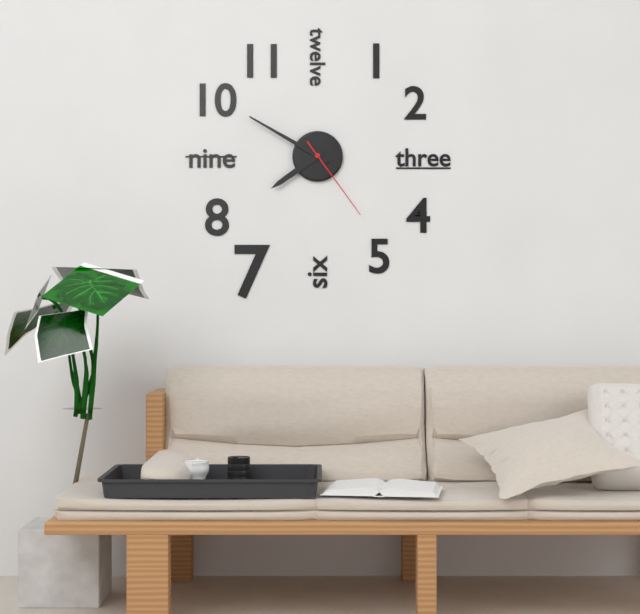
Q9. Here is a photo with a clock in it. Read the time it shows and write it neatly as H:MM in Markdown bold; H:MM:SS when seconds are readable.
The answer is **7:50:24**
